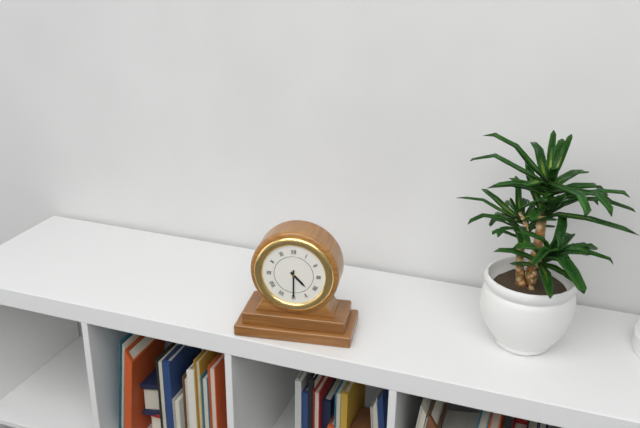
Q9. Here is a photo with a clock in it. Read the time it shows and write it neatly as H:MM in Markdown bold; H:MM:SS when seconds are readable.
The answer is **4:30**
